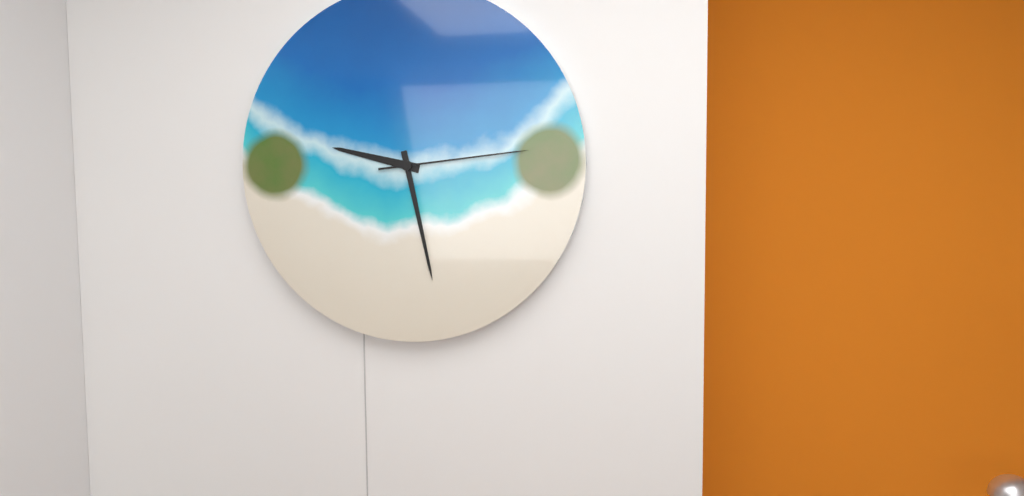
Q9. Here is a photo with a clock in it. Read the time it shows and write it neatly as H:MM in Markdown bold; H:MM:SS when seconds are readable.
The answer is **9:28:14**
